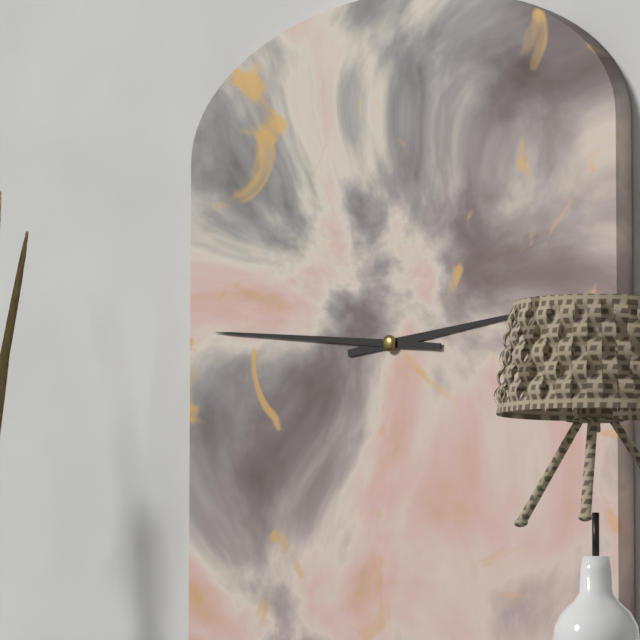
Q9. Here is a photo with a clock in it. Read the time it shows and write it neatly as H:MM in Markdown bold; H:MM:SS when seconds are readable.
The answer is **2:46**
